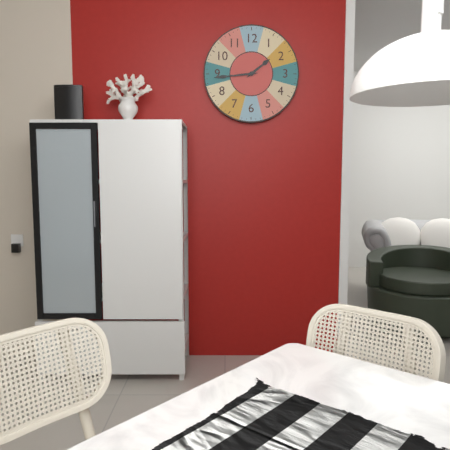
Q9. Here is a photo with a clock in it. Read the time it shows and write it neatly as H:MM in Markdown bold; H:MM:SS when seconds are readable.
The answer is **1:44**
